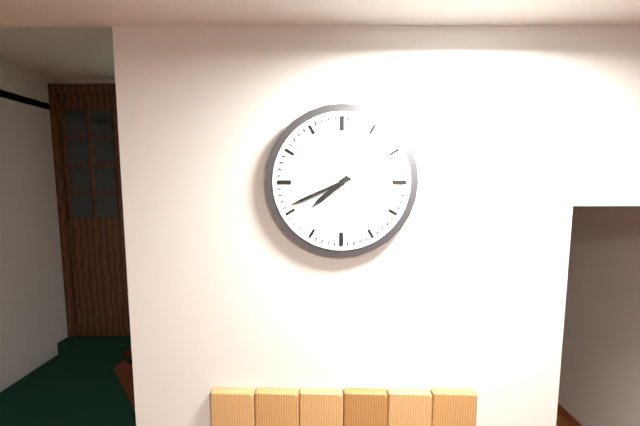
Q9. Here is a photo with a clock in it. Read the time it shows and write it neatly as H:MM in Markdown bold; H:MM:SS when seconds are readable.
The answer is **7:41**
